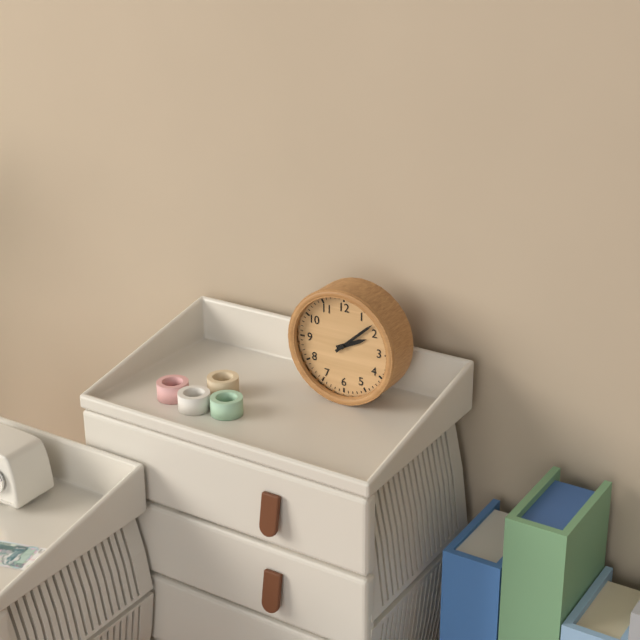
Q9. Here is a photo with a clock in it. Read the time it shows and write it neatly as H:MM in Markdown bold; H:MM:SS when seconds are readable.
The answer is **2:08**
